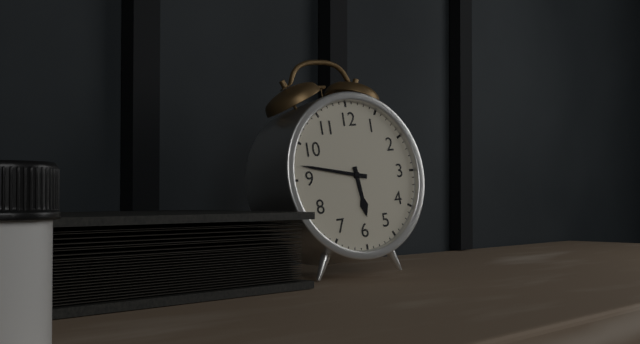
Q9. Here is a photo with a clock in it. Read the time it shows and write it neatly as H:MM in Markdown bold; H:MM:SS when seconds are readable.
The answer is **5:47**
